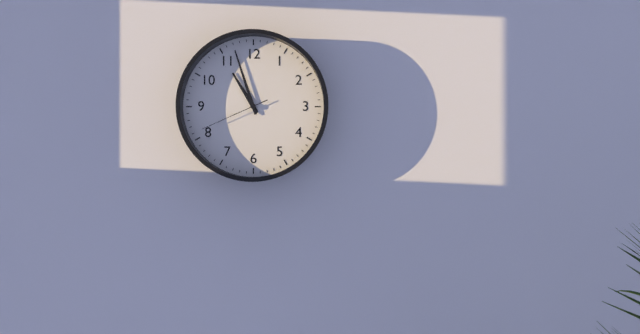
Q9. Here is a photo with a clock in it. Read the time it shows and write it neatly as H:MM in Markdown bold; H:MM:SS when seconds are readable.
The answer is **10:57:41**
